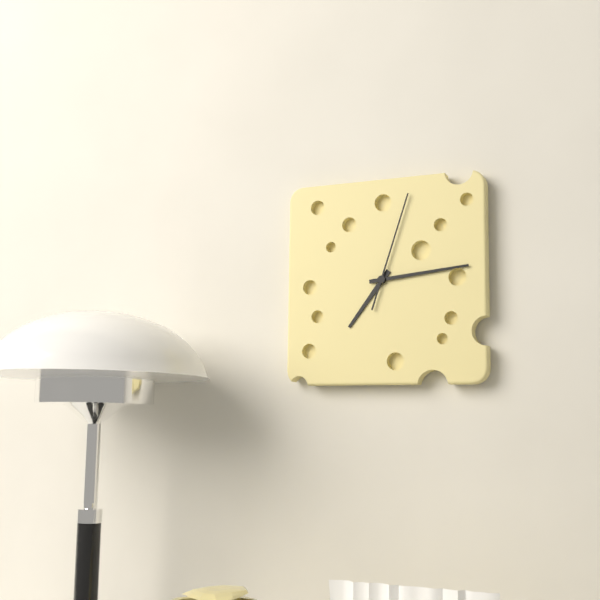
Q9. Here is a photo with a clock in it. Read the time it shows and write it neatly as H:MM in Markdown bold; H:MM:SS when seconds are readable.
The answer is **7:14:03**
